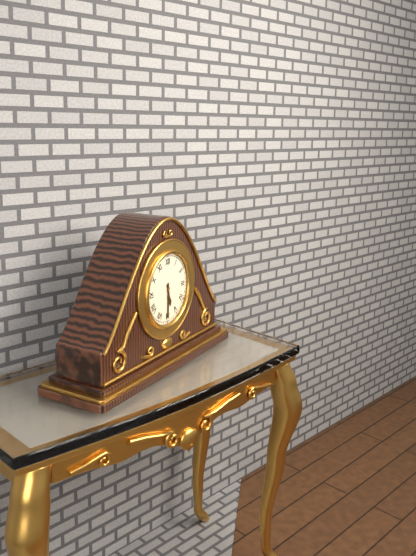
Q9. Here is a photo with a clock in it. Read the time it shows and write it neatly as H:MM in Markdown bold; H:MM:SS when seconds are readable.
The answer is **5:30**
